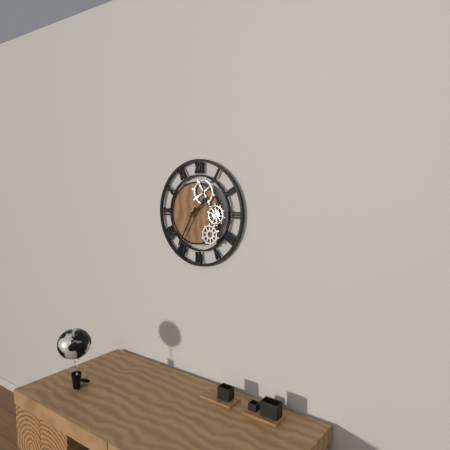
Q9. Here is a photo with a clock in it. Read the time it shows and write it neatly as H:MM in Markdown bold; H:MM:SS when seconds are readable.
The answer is **1:35**
